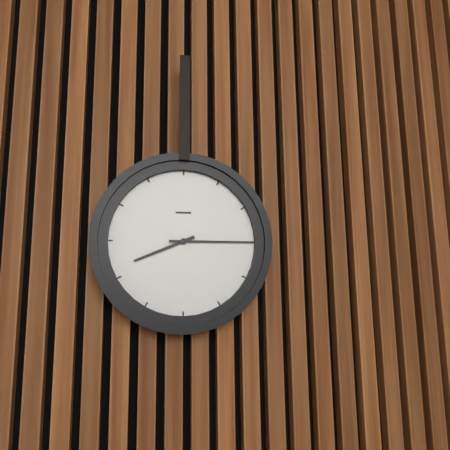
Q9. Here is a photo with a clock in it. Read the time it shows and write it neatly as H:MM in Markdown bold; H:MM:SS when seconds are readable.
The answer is **8:15**
